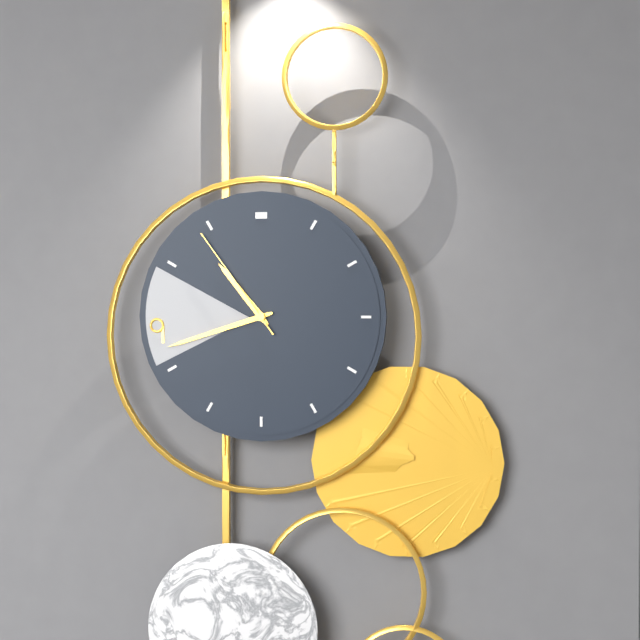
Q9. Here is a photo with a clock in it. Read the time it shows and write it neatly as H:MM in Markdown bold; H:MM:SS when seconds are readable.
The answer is **10:42:54**
